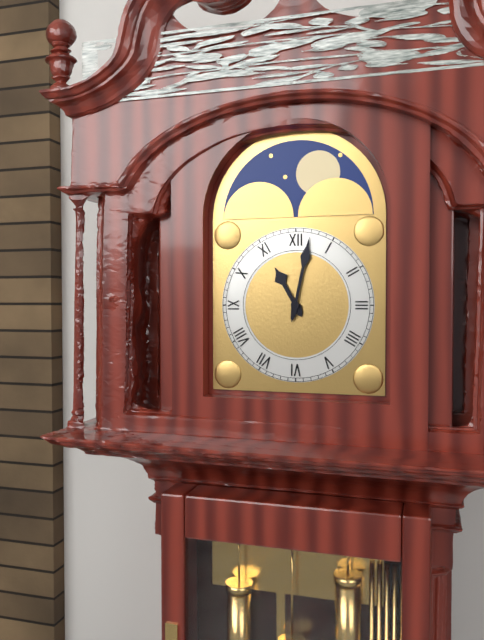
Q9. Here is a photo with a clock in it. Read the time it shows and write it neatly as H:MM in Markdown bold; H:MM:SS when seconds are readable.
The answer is **11:02**
